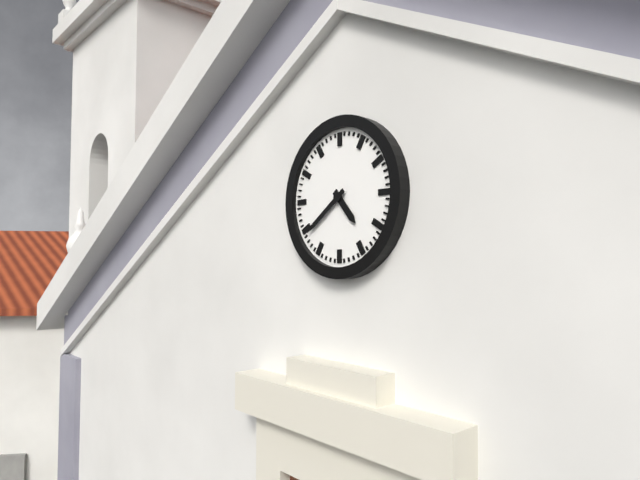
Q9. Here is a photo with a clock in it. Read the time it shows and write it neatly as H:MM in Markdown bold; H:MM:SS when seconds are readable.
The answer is **4:39**
